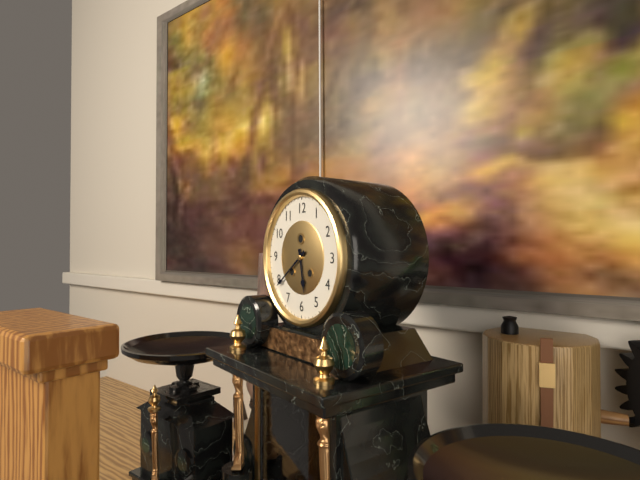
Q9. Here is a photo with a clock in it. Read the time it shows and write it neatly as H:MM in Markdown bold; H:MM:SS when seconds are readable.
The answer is **5:39**
